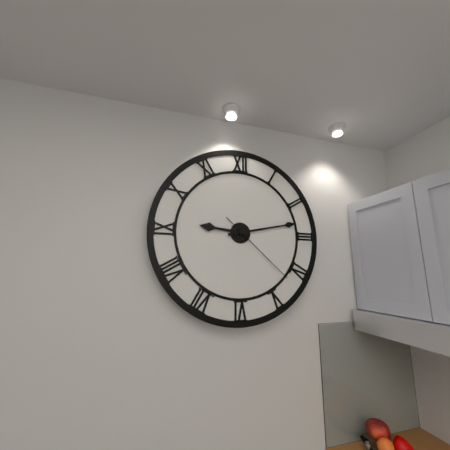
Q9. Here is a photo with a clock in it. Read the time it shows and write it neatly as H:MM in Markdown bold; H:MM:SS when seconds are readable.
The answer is **9:13:22**
